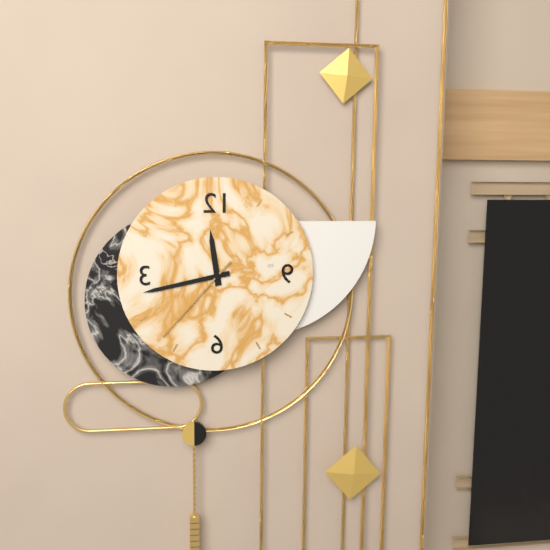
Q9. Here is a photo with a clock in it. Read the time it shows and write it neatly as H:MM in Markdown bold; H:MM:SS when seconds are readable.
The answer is **11:43:37**
